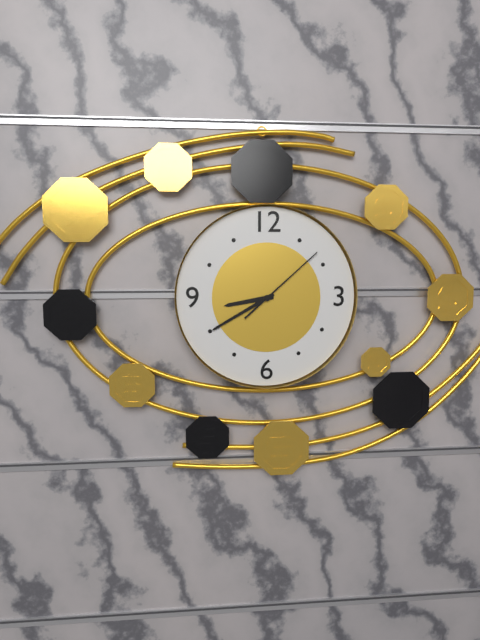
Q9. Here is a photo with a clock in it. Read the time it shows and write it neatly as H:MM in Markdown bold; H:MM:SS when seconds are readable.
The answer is **8:40:08**
